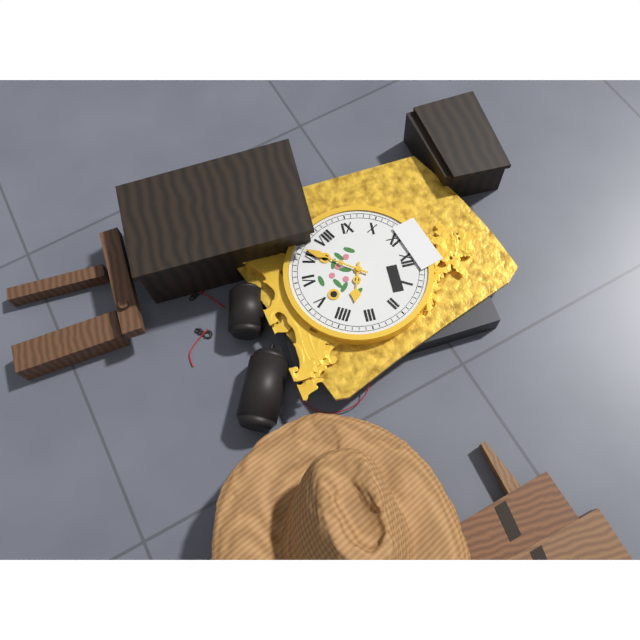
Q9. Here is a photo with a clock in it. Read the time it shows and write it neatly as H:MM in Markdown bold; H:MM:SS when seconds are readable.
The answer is **3:36**
